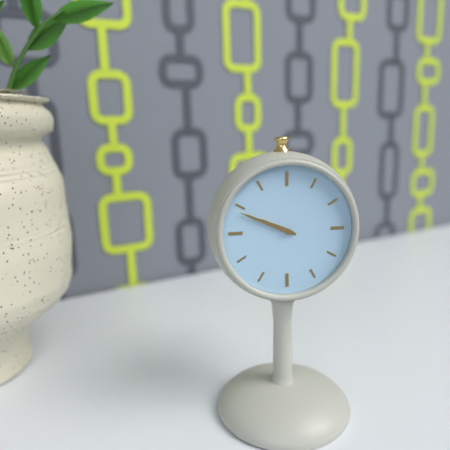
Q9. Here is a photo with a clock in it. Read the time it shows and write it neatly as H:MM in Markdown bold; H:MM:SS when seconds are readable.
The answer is **9:49**
